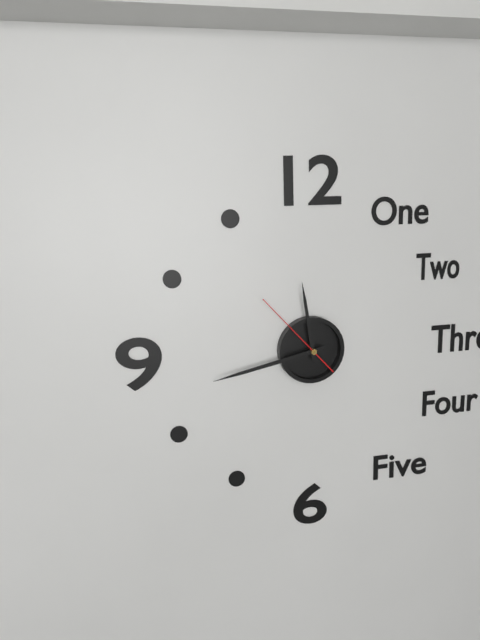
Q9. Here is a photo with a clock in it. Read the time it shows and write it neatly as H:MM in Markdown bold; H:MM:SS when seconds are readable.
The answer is **11:43:53**
